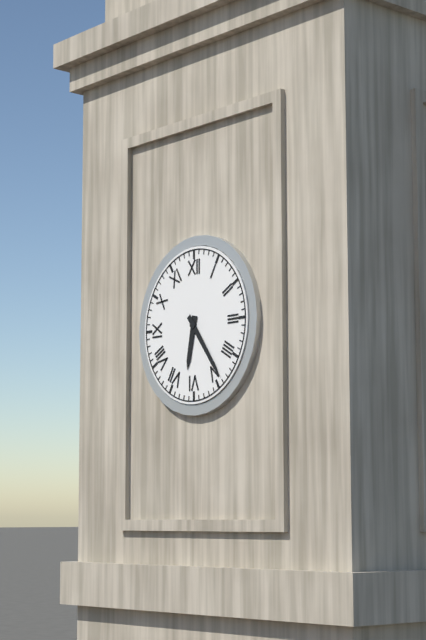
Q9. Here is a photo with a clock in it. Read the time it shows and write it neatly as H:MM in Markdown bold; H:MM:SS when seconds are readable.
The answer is **6:24**
